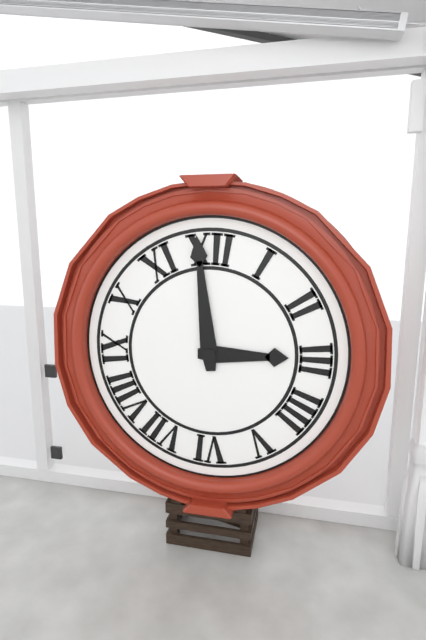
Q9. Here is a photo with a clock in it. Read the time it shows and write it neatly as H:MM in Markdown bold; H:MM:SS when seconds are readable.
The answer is **2:59**
